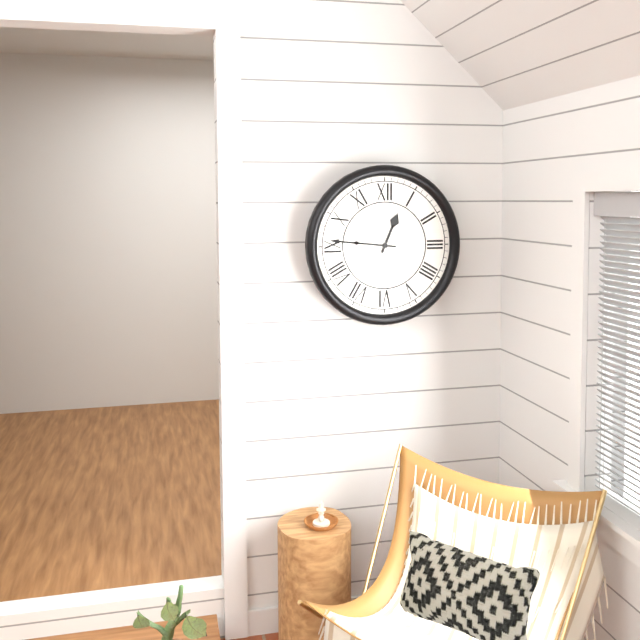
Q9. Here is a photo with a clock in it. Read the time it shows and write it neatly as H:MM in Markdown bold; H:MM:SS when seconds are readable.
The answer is **12:46**
